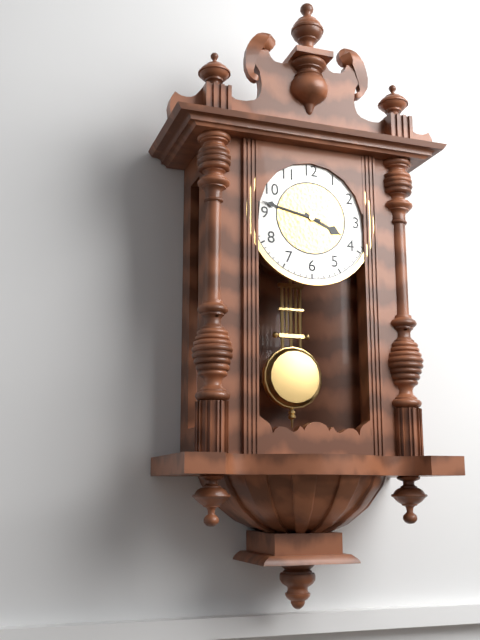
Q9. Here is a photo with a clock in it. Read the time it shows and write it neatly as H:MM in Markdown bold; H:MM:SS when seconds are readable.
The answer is **3:47**
